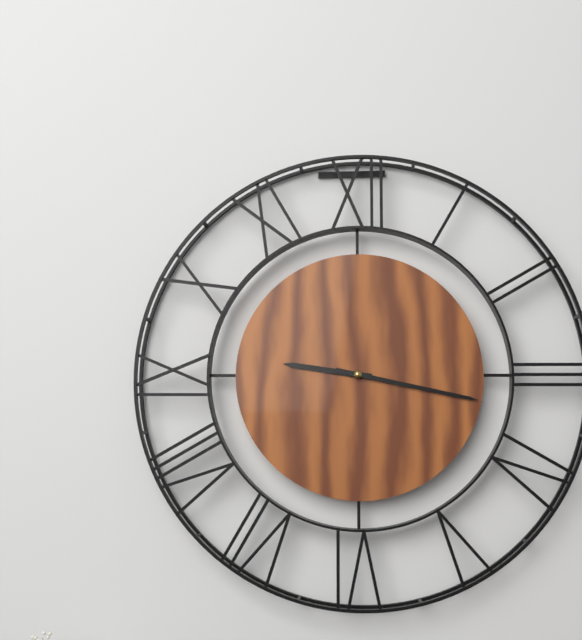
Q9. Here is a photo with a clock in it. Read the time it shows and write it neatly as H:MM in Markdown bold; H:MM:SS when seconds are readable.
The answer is **9:17**
